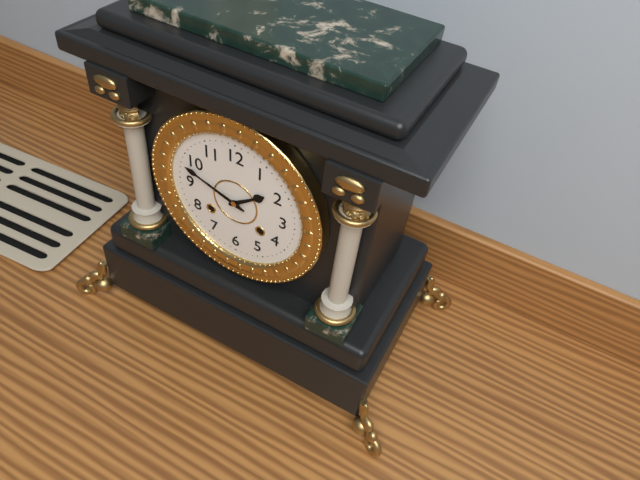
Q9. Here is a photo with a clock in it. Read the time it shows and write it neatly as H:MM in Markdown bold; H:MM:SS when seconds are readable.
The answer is **1:48**
